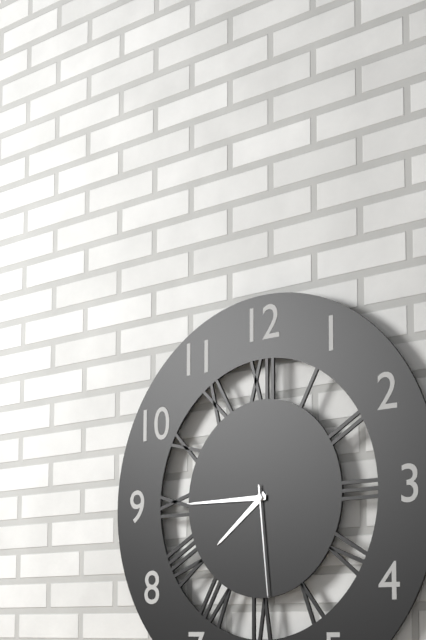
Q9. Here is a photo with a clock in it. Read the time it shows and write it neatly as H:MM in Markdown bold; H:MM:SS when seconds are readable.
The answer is **7:45:29**
